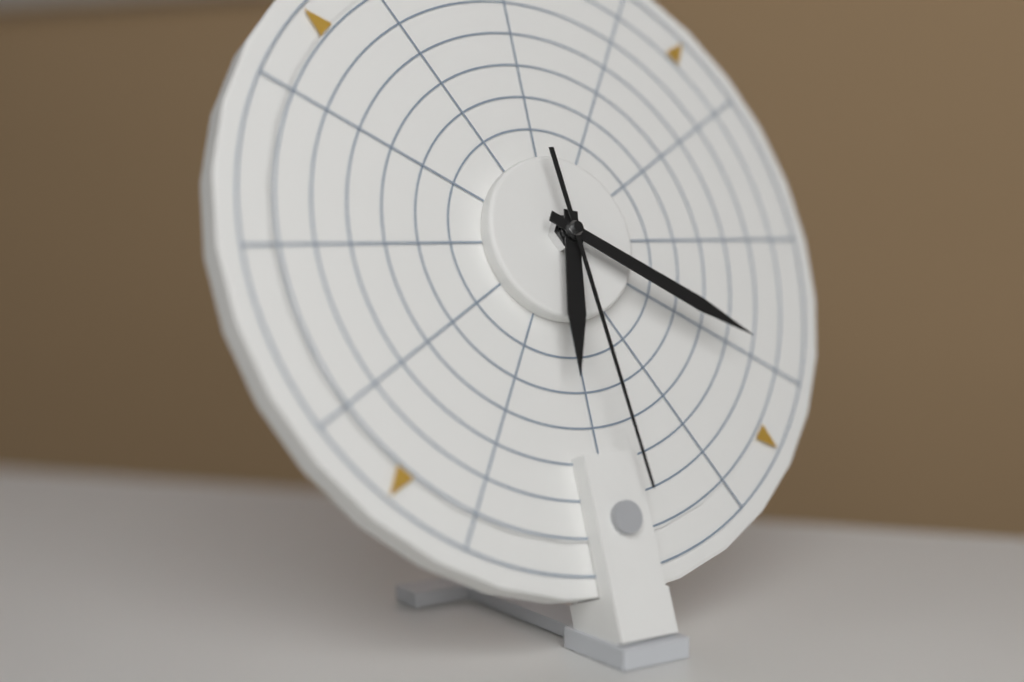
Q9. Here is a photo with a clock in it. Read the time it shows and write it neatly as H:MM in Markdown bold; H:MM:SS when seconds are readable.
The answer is **6:20:29**
